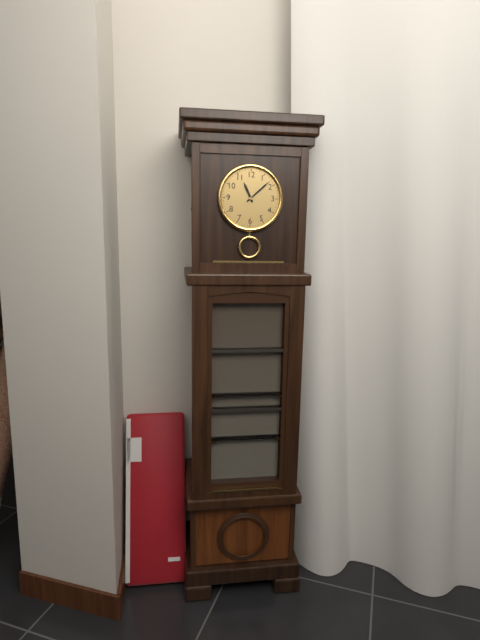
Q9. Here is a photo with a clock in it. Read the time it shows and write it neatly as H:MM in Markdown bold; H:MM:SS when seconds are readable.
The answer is **11:08**
